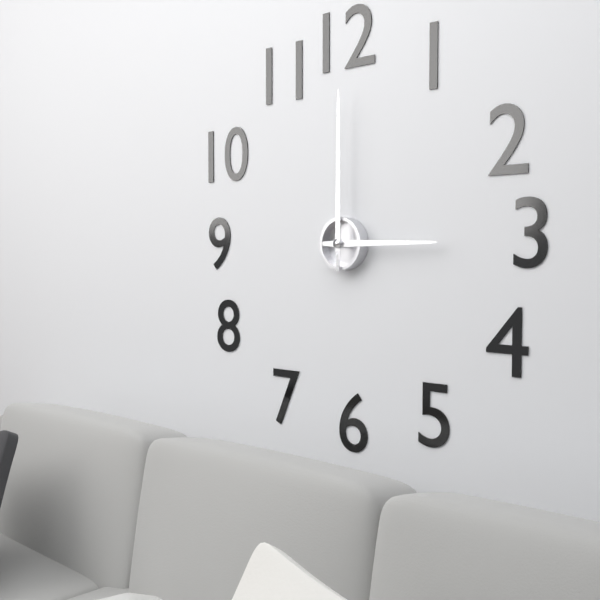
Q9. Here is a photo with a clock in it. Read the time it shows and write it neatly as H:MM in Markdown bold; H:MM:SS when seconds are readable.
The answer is **3:00**
